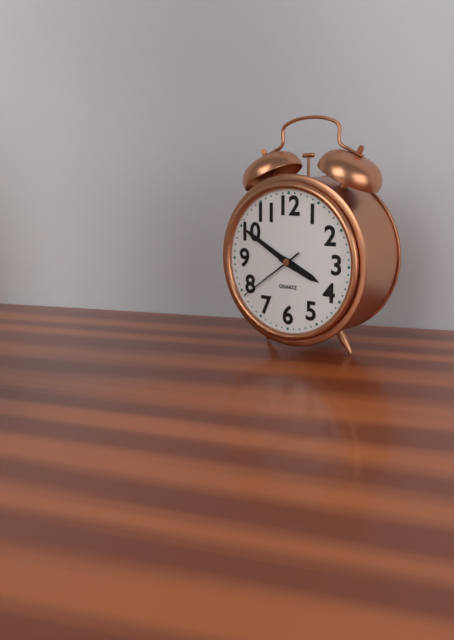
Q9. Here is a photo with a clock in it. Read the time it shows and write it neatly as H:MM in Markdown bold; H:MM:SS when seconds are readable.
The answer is **3:50:39**
